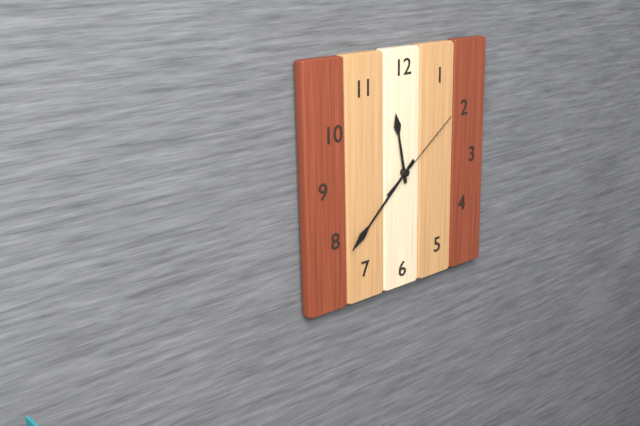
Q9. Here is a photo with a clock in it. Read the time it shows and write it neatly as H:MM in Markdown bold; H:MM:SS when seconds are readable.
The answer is **11:38:09**
